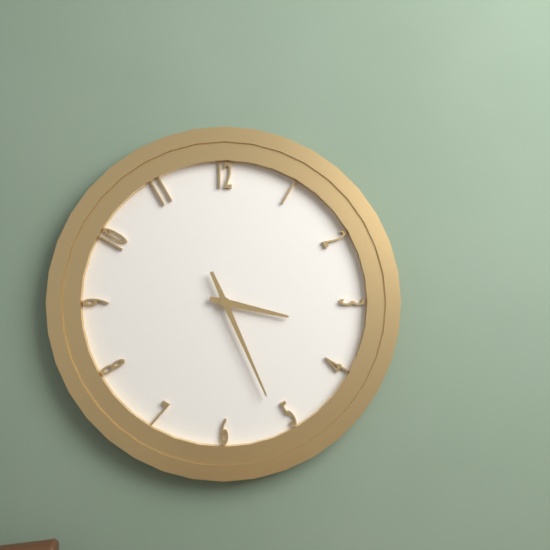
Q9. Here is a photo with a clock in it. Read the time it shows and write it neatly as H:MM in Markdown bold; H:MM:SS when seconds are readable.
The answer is **3:26**
